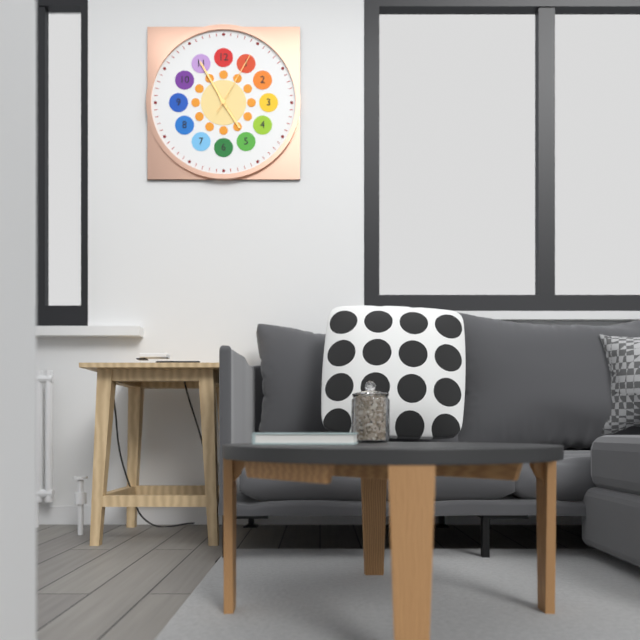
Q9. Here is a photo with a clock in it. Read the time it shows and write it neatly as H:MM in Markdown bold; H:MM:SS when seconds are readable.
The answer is **4:55:05**
